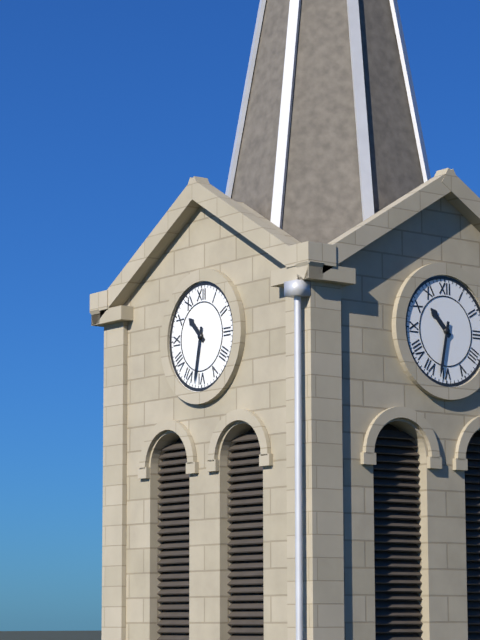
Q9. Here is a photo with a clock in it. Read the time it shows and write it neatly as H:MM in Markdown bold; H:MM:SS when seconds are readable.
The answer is **10:32**
